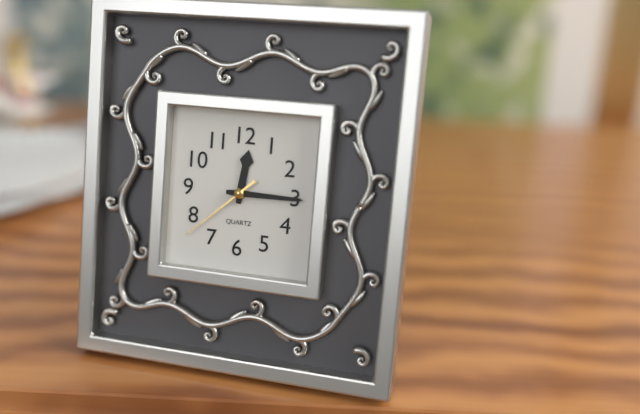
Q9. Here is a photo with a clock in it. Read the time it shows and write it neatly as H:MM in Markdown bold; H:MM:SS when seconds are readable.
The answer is **12:15:38**
